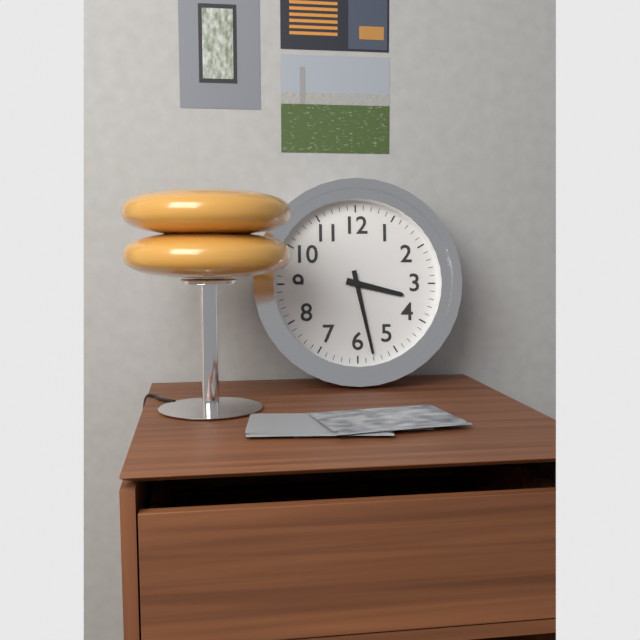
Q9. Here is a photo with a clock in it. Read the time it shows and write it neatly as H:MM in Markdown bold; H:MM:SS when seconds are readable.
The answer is **3:28**
